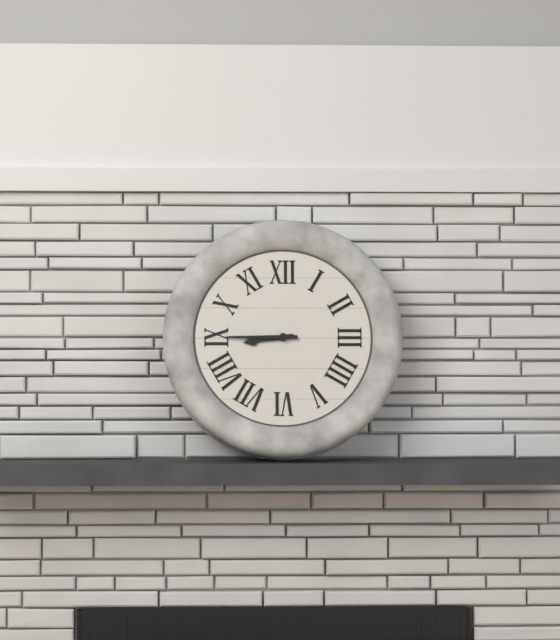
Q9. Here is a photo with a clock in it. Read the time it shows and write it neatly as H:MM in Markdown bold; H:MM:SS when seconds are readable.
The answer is **8:45**
